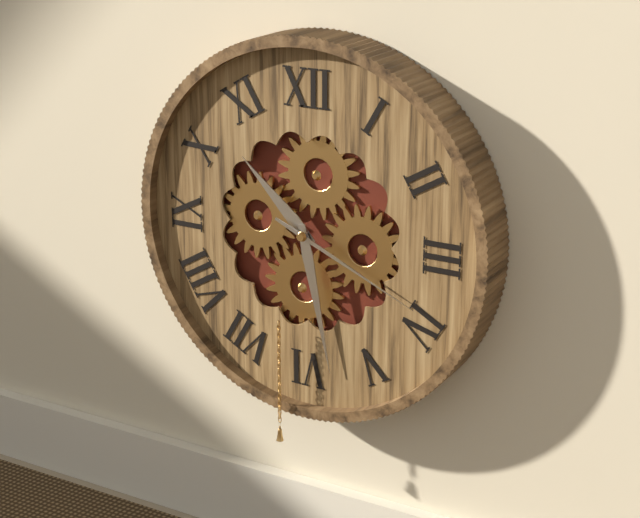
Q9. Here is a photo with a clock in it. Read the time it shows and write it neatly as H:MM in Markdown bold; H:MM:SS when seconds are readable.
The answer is **10:28:19**
